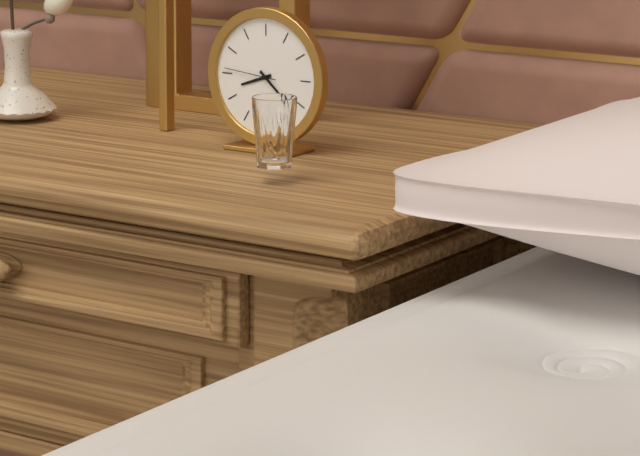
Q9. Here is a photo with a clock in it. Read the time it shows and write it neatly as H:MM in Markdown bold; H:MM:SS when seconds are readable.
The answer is **8:22:46**
